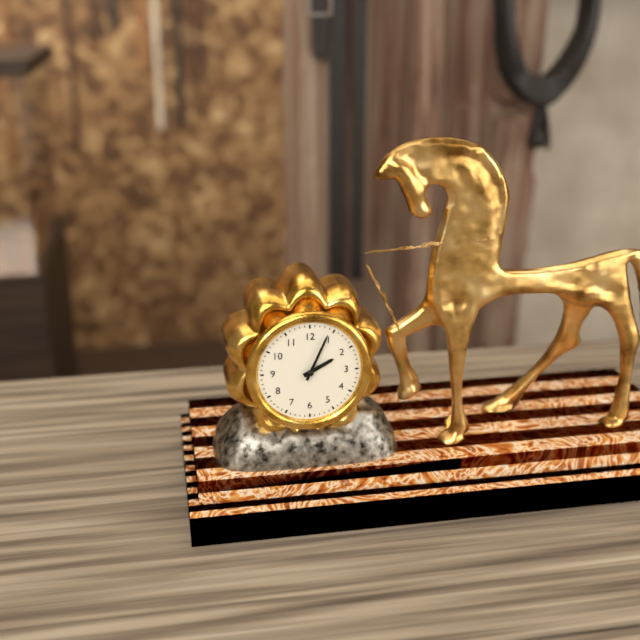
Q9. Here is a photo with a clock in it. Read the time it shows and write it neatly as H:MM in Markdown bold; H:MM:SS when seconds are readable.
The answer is **2:04**
